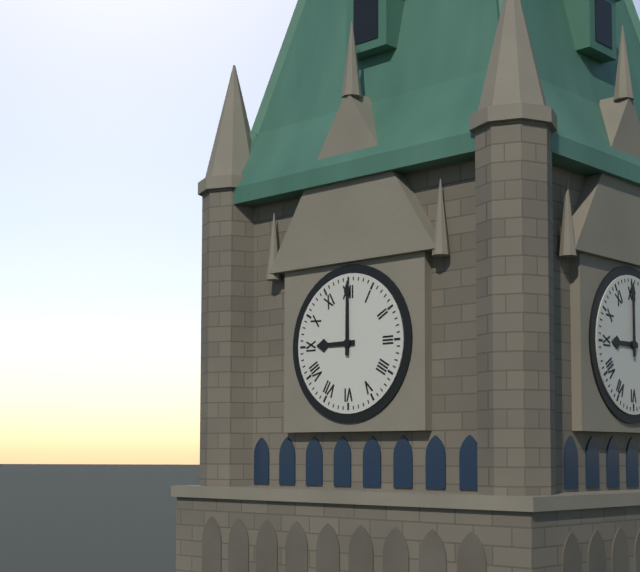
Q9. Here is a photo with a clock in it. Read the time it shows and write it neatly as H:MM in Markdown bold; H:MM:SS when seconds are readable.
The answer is **9:00**
